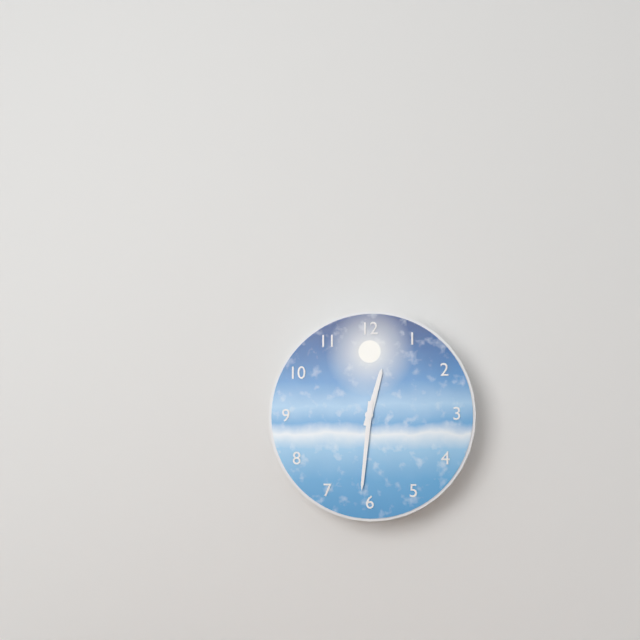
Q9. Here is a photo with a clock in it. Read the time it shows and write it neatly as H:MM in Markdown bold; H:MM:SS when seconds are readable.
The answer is **12:31**
